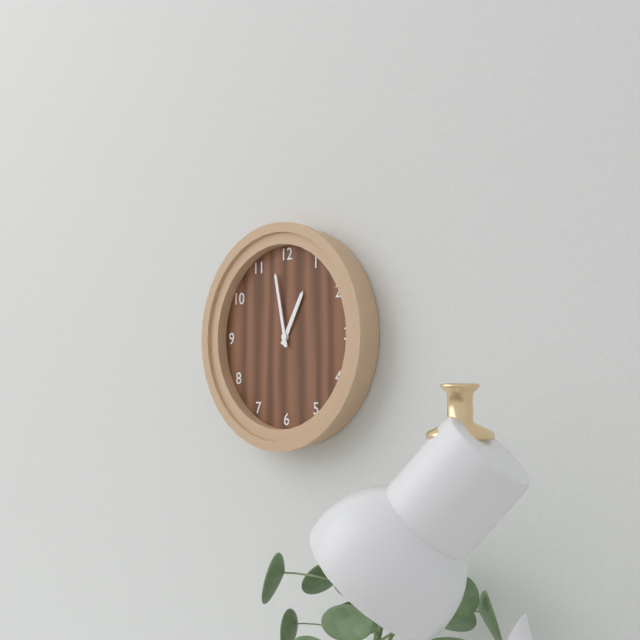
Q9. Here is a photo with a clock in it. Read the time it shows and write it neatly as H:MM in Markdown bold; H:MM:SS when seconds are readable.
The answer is **12:58**
